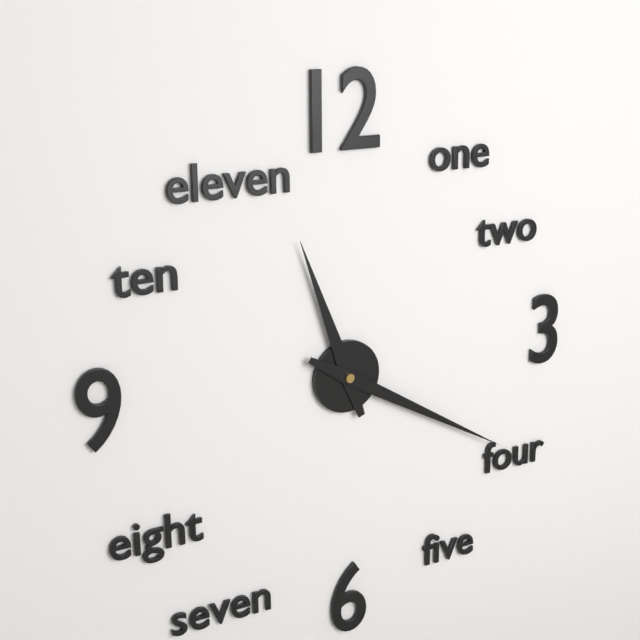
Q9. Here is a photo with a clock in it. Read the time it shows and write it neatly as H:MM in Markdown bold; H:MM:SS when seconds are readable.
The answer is **11:20**
